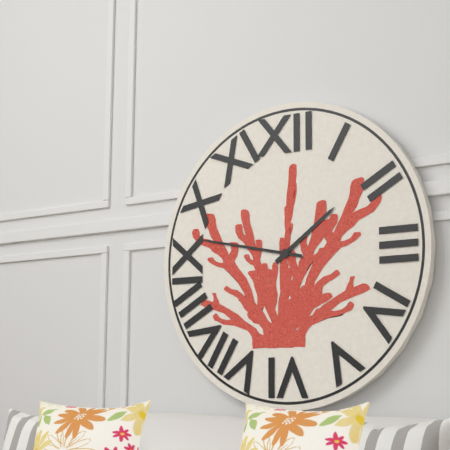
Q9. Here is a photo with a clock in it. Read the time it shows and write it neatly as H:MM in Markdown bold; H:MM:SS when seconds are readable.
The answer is **1:47**
